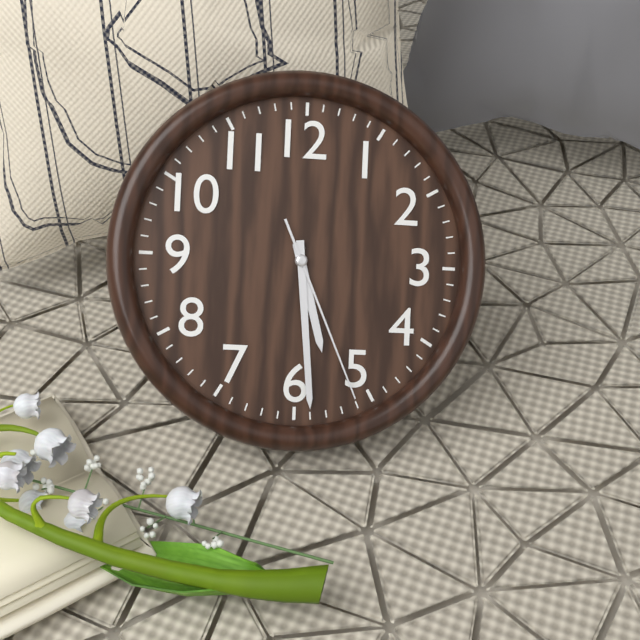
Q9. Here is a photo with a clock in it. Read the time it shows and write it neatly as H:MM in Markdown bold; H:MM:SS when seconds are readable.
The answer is **5:29:26**
